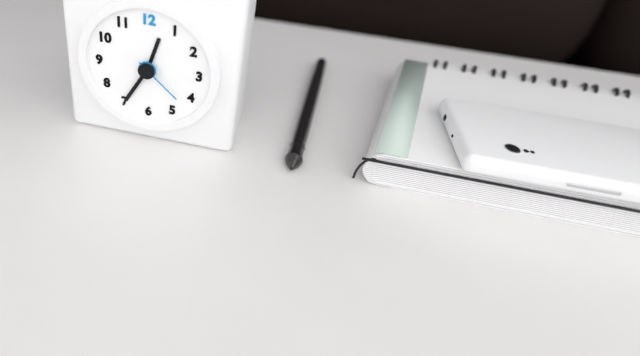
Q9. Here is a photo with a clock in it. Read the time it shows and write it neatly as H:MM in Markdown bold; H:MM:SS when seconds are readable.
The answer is **12:35:22**
